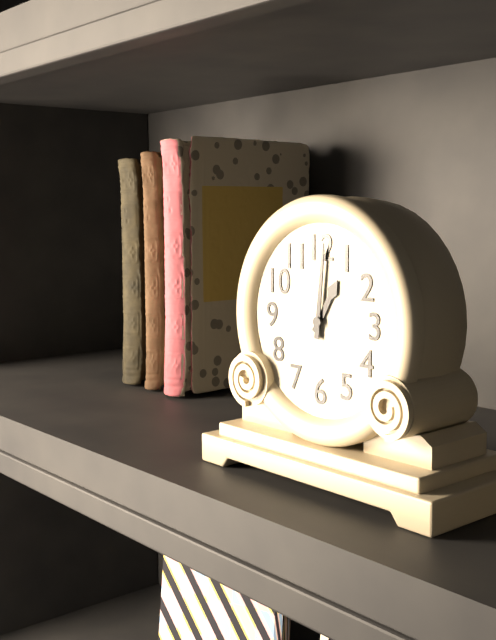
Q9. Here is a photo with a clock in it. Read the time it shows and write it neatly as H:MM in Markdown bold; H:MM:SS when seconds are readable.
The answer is **1:01**
